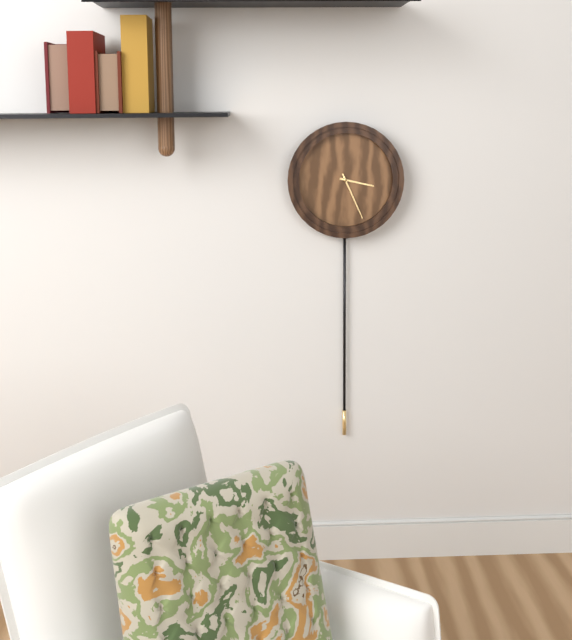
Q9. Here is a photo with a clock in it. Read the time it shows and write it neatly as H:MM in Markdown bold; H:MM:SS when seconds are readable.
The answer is **3:26**
